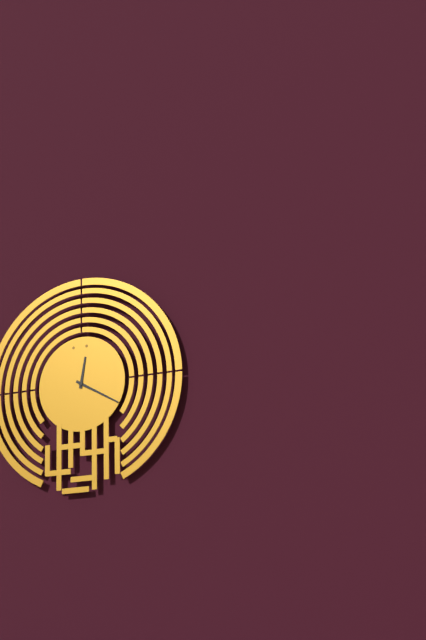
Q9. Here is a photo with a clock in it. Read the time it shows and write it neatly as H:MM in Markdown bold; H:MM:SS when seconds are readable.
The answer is **12:20**
